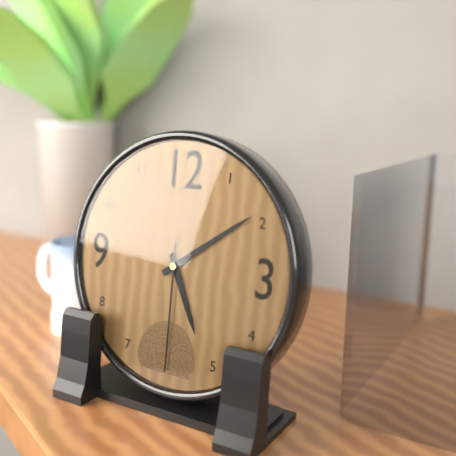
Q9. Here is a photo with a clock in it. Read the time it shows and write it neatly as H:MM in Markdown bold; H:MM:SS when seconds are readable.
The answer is **5:09:30**
